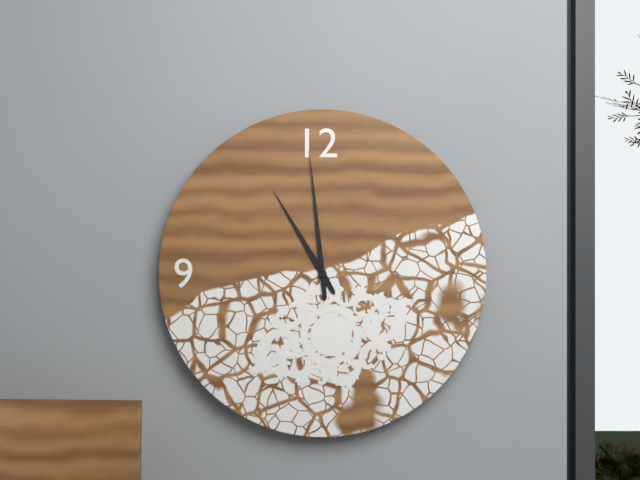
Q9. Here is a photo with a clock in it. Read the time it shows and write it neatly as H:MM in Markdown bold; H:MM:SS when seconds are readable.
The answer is **10:59**
